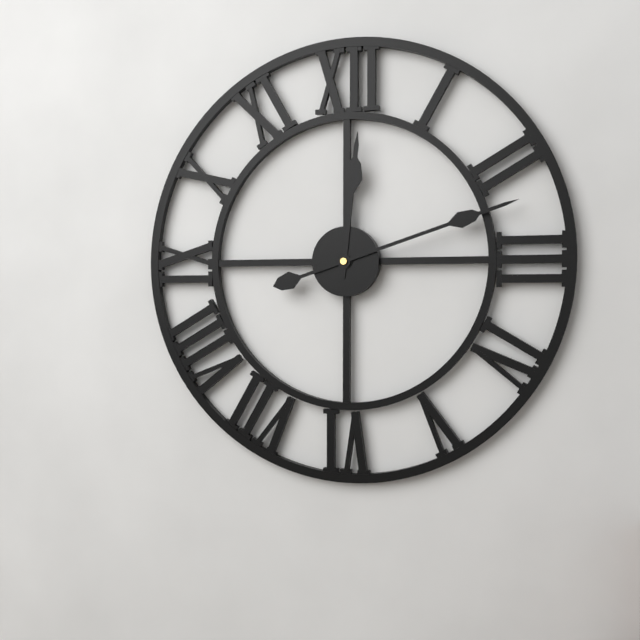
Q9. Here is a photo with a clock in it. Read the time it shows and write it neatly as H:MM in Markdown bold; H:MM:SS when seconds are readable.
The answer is **12:12**
